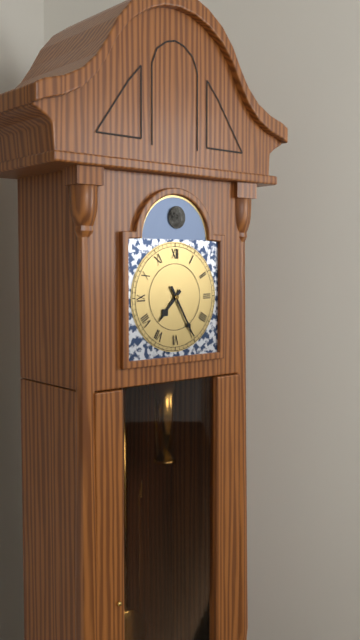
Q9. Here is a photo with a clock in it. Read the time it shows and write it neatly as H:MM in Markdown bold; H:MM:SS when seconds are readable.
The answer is **7:25**
